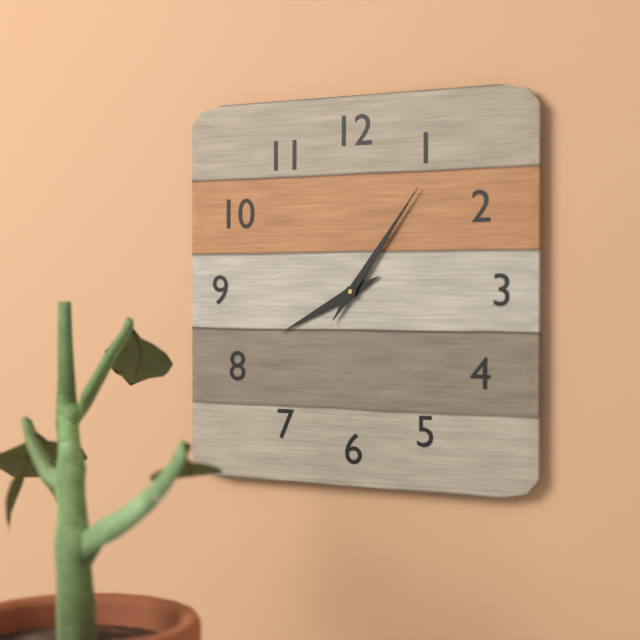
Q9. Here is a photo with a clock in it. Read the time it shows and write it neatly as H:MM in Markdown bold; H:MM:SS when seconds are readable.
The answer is **8:06**
